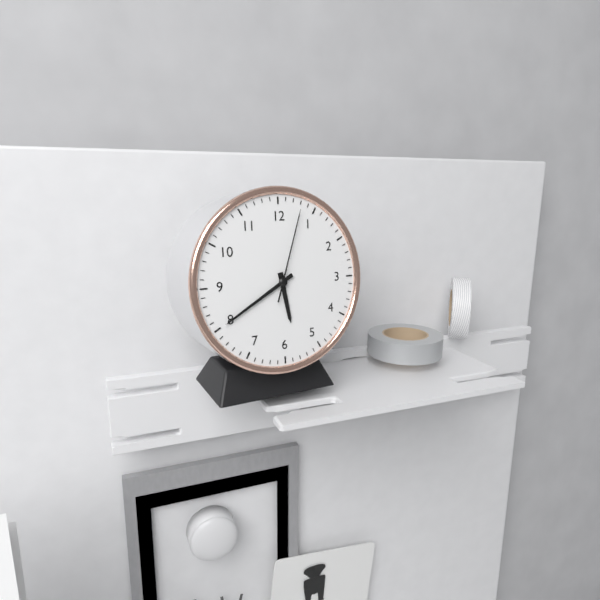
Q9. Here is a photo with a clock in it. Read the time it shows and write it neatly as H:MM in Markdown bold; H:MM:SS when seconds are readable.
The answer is **5:40:03**
